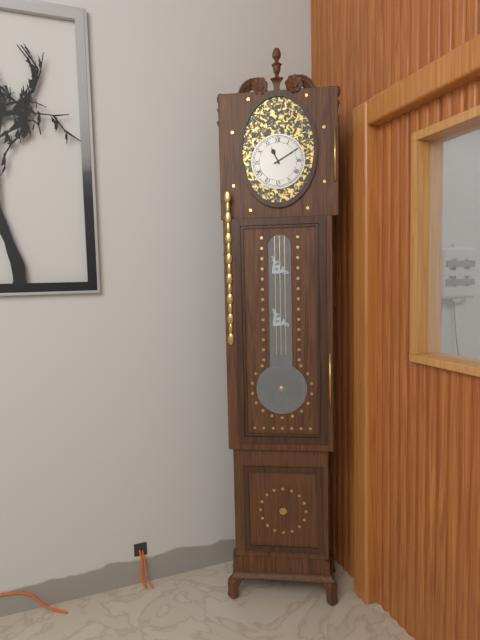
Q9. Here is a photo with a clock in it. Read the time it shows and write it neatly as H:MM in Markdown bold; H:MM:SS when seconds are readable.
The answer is **11:10**
